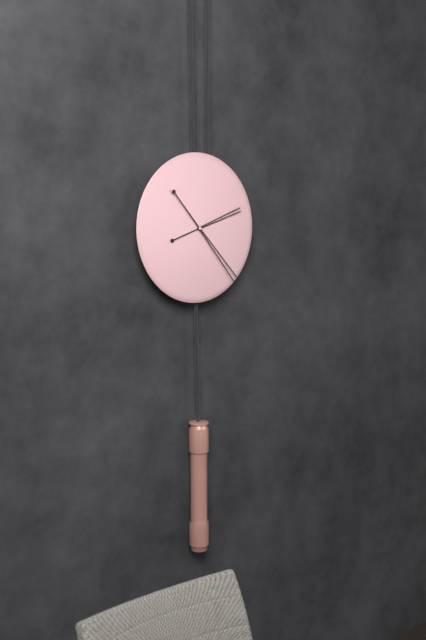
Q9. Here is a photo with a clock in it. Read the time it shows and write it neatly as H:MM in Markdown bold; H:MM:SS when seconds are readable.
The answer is **2:23**
